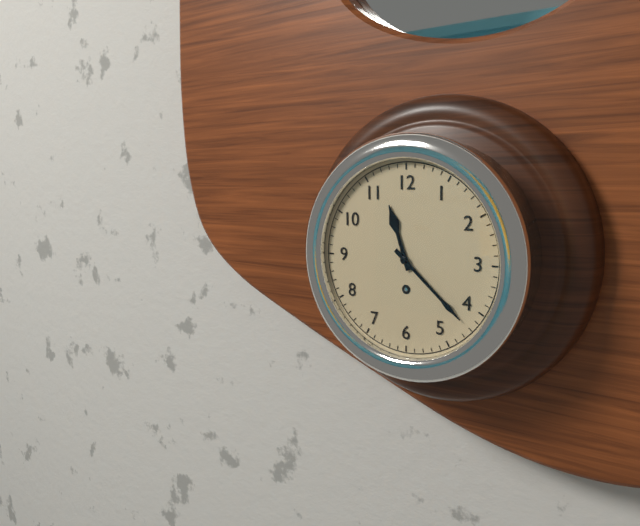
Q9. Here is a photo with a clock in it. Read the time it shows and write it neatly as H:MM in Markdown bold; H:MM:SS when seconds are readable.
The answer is **11:22**
